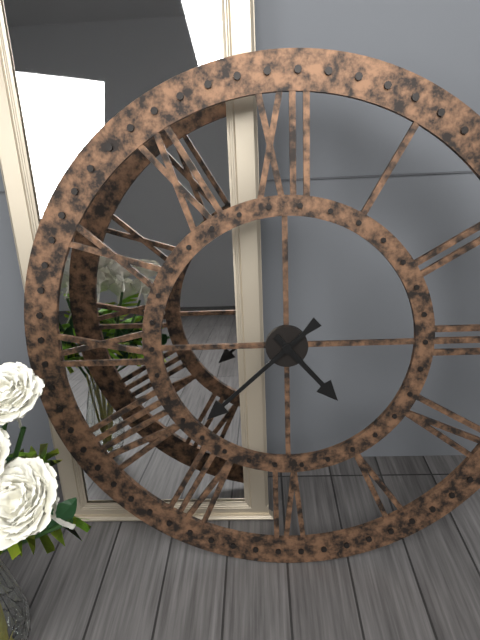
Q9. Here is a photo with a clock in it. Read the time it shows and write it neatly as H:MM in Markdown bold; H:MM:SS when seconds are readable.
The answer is **4:38**
